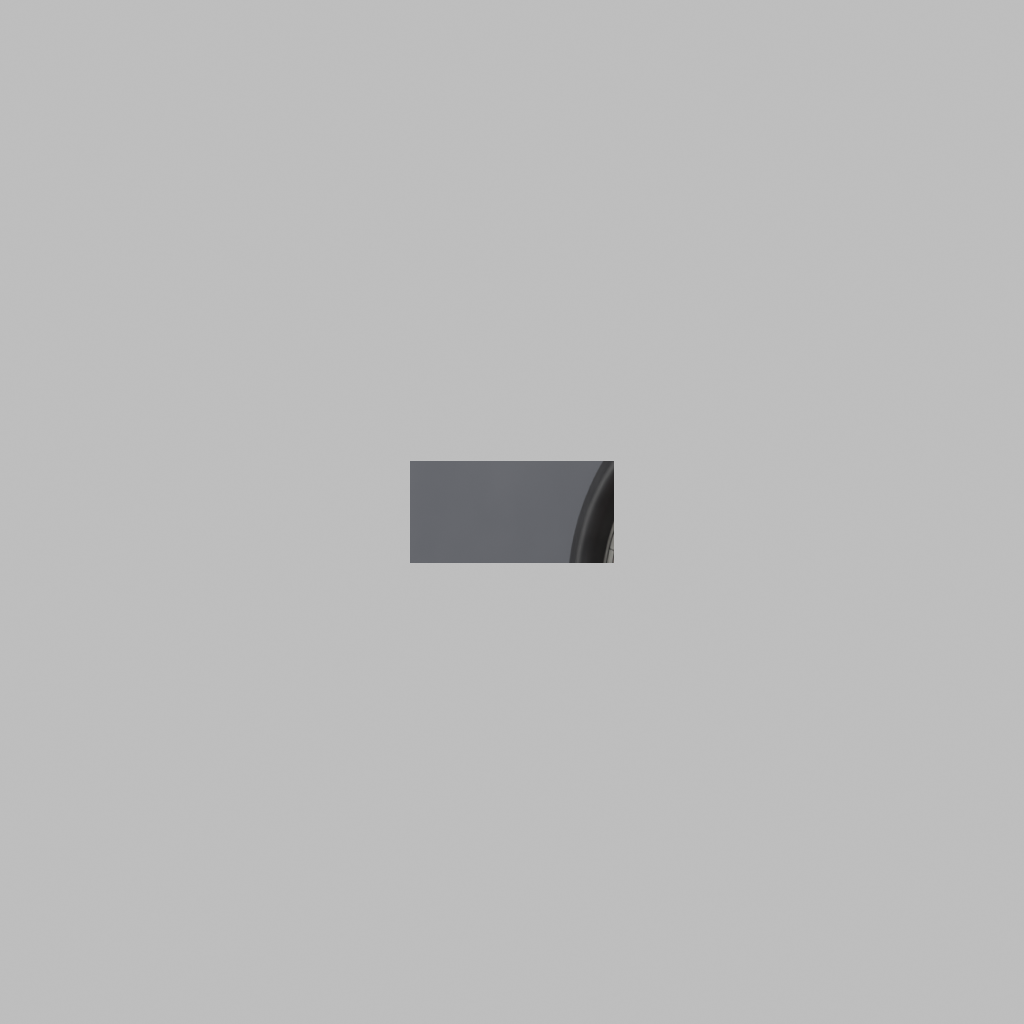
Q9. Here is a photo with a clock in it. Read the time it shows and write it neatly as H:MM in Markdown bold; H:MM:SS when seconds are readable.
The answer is **4:07**
